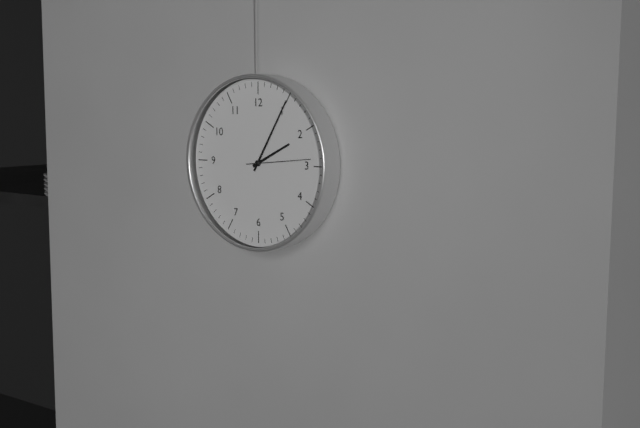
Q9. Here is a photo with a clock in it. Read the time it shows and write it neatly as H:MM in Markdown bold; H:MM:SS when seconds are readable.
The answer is **2:05:14**
